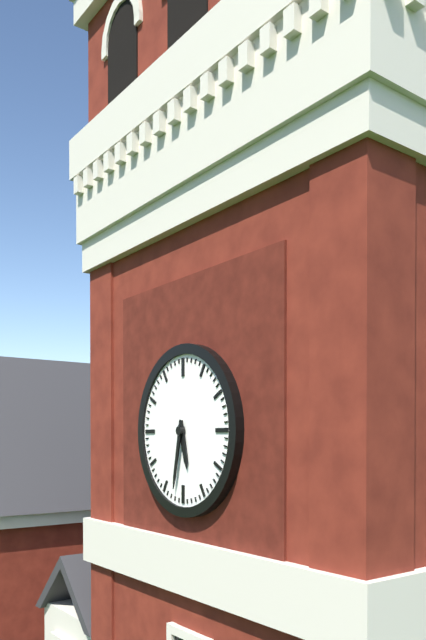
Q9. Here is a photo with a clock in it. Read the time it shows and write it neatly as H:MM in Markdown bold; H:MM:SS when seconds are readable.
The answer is **5:32**
